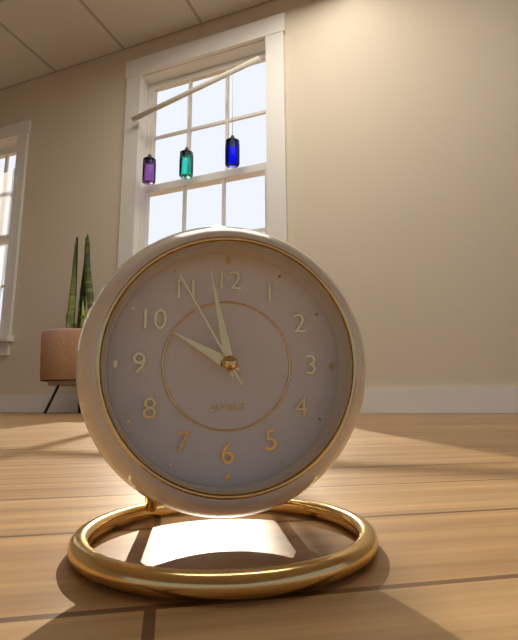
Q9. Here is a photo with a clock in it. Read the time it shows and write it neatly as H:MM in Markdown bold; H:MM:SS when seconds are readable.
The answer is **9:58:55**
